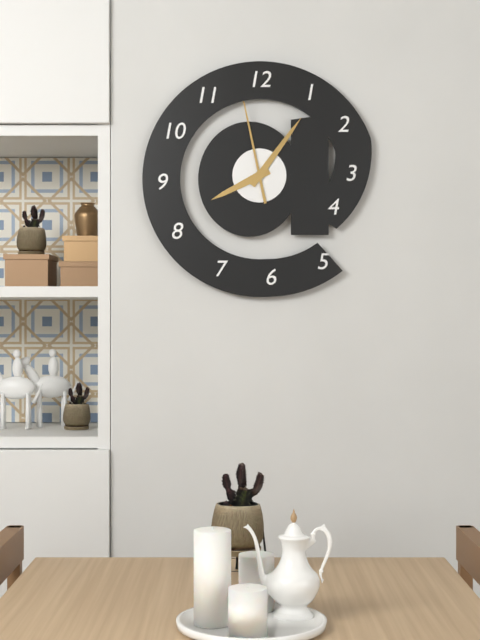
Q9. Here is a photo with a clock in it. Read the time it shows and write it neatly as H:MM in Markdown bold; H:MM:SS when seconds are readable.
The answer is **8:06:58**
